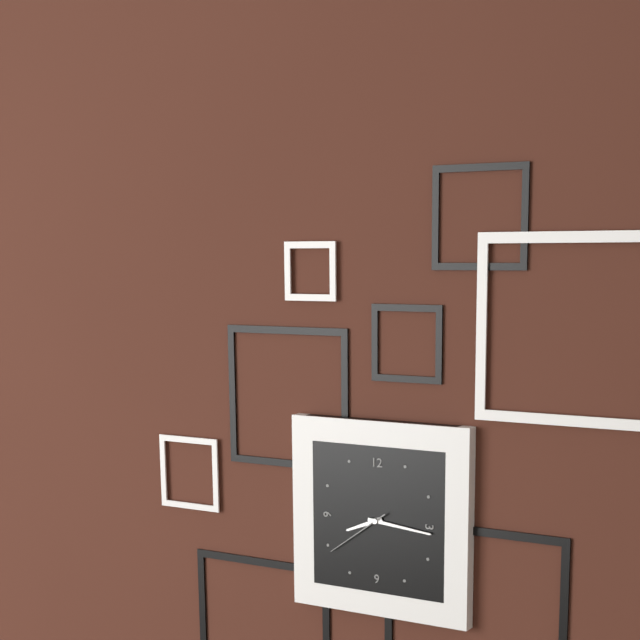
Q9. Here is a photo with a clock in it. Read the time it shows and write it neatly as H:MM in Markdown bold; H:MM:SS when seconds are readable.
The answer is **8:16:39**
